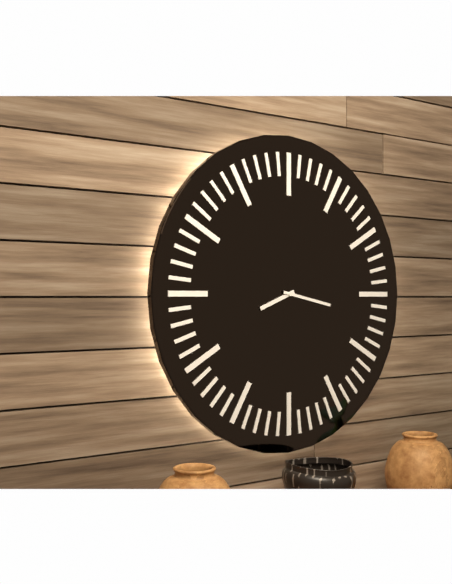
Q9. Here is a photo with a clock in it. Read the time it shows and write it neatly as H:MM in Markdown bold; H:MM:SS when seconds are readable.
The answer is **8:17**
